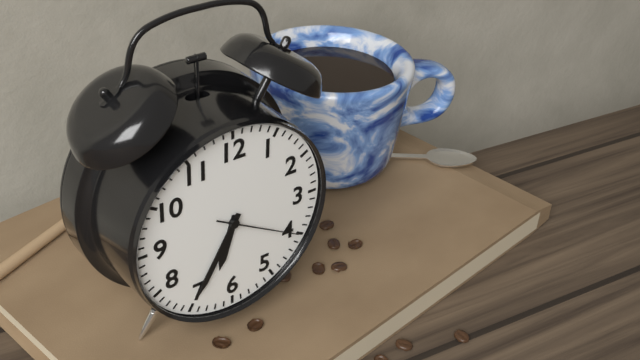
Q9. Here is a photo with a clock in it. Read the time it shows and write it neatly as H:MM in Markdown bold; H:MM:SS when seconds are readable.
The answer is **6:35:20**
